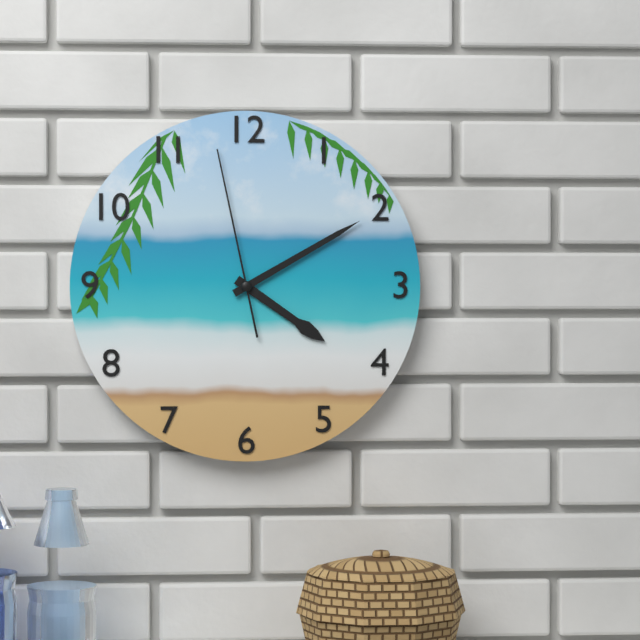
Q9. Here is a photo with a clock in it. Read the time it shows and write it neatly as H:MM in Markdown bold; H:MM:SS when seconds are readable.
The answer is **4:10:58**
